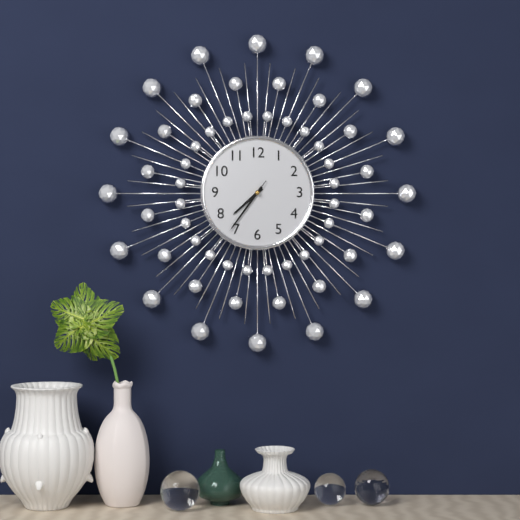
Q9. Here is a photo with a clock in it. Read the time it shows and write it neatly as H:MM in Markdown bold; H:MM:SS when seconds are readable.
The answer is **7:36:36**
